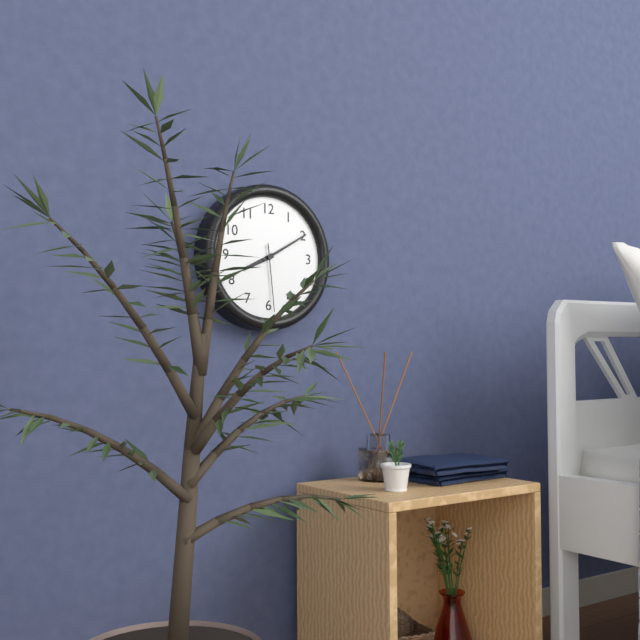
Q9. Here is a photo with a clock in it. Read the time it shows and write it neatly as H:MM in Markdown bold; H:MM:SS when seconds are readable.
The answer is **8:10:29**
